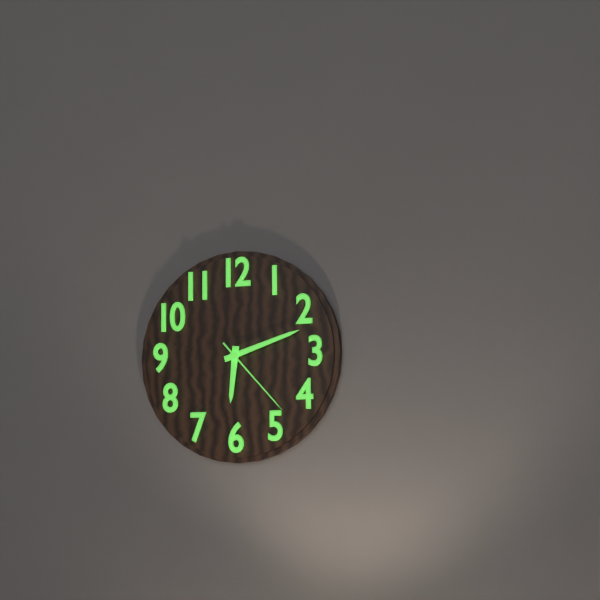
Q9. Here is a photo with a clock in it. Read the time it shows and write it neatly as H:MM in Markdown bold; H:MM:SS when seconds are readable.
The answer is **6:12:23**
